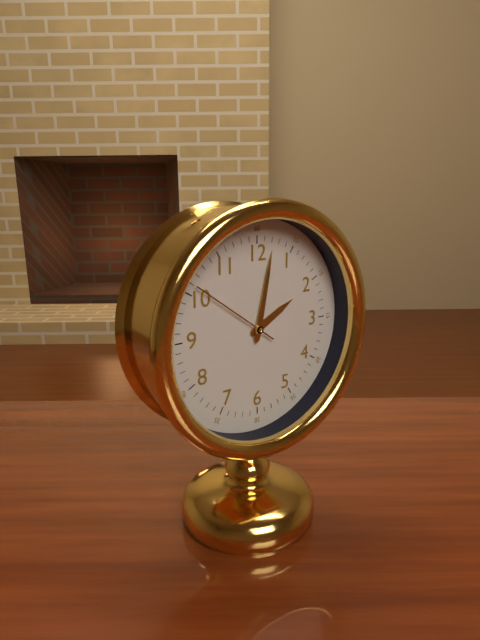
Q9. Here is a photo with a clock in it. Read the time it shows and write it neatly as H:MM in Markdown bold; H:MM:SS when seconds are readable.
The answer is **2:02:51**
